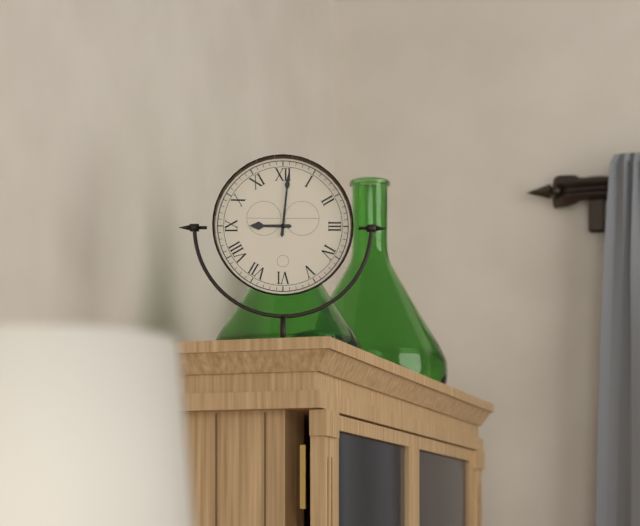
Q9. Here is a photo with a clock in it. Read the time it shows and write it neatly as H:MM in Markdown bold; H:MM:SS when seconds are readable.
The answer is **9:01**
